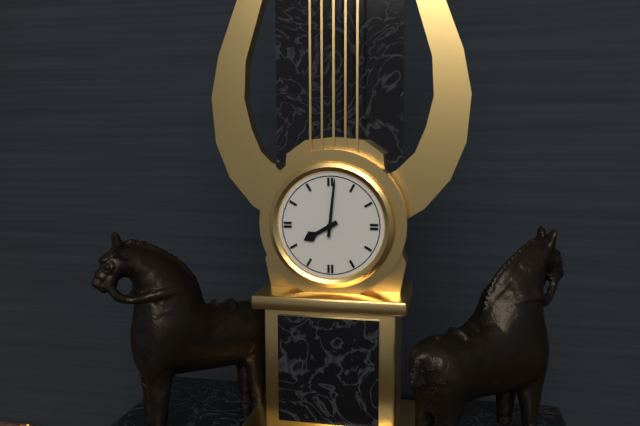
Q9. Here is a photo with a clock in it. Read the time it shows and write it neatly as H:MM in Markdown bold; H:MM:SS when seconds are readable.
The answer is **8:01**
